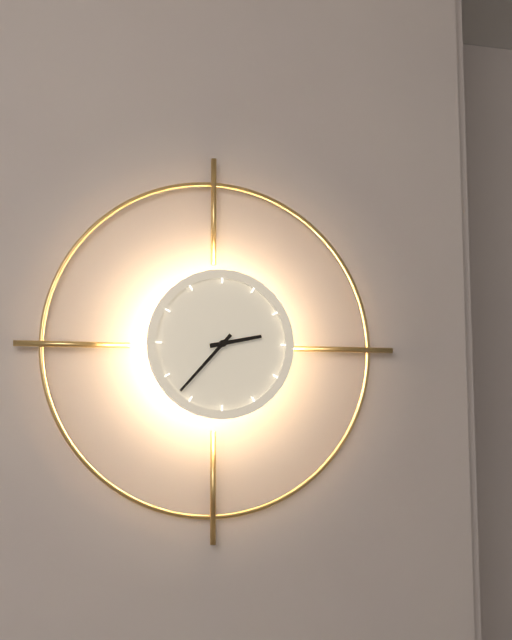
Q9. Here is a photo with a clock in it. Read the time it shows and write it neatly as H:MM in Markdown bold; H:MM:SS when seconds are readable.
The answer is **2:37**
